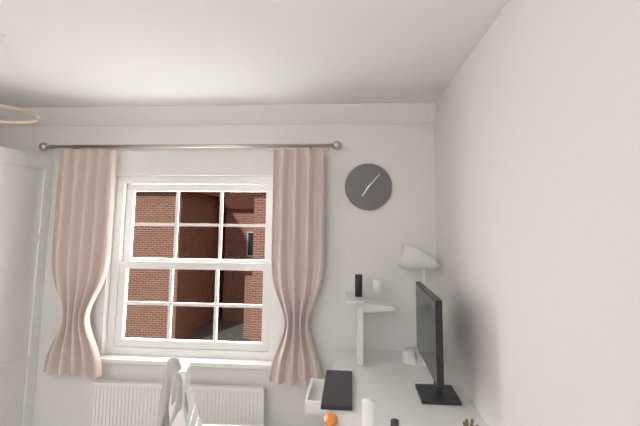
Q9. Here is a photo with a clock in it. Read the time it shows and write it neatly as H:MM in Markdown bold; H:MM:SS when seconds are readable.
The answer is **7:07**
